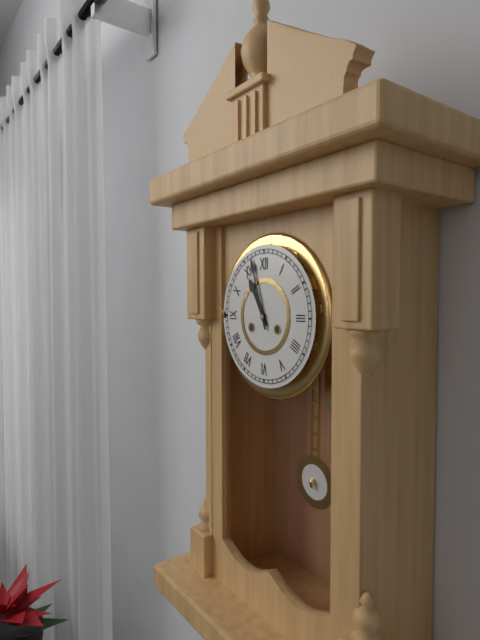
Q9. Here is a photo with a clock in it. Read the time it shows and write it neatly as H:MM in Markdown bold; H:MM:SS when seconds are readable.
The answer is **10:57**
